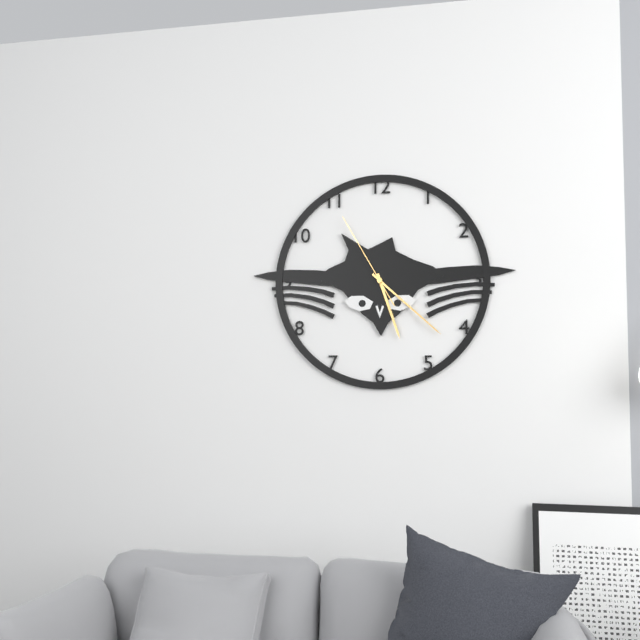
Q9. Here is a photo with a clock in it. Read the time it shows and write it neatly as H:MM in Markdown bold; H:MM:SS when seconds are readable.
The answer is **5:22:55**
